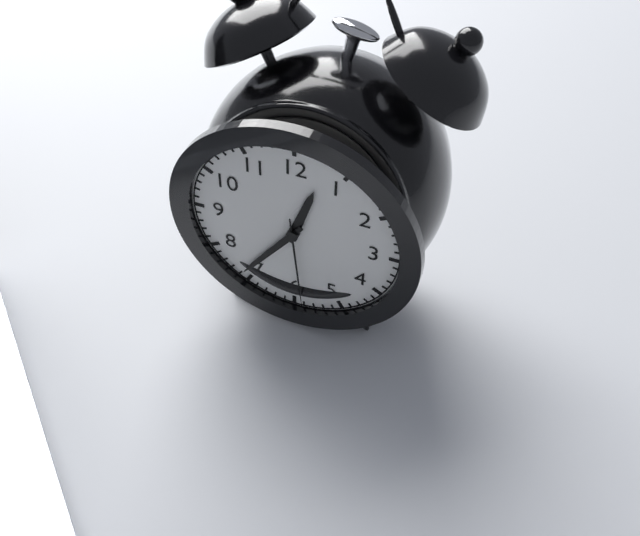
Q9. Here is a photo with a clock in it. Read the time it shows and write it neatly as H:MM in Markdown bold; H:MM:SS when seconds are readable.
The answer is **12:36:29**
